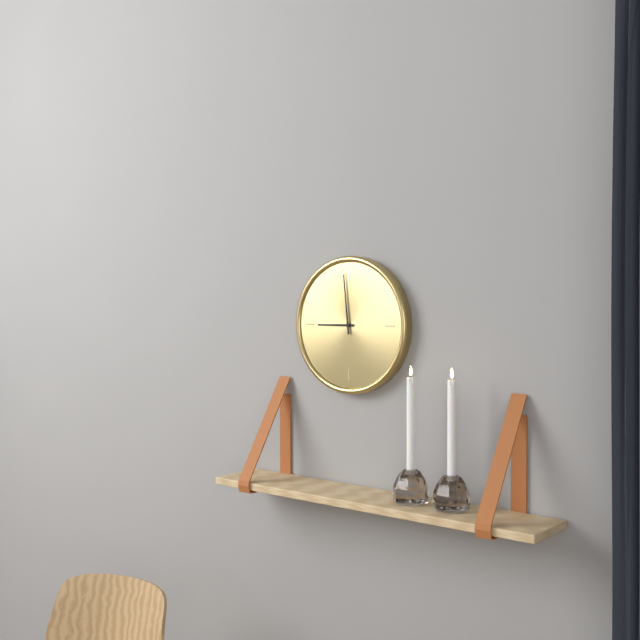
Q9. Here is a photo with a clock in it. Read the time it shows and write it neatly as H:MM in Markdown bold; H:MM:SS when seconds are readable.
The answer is **8:59**
